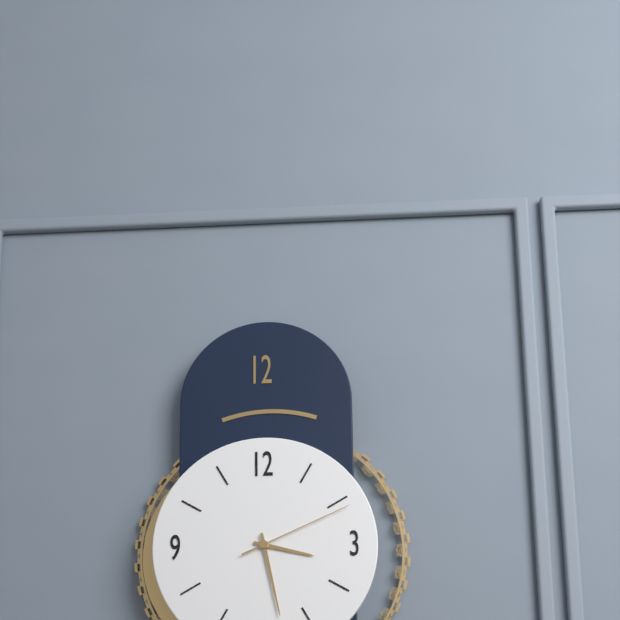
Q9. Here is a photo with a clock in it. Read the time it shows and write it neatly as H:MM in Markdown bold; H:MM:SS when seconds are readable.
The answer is **3:28:11**
